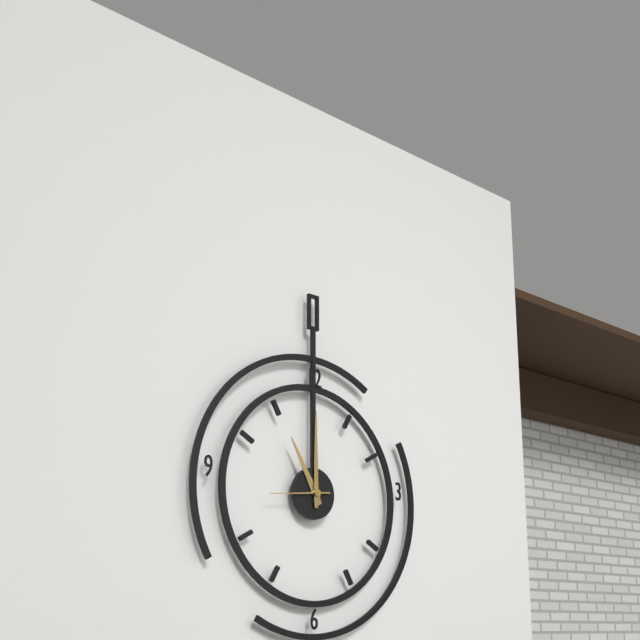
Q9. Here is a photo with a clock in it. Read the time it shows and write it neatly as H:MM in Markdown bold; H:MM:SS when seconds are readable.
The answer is **11:00:44**
